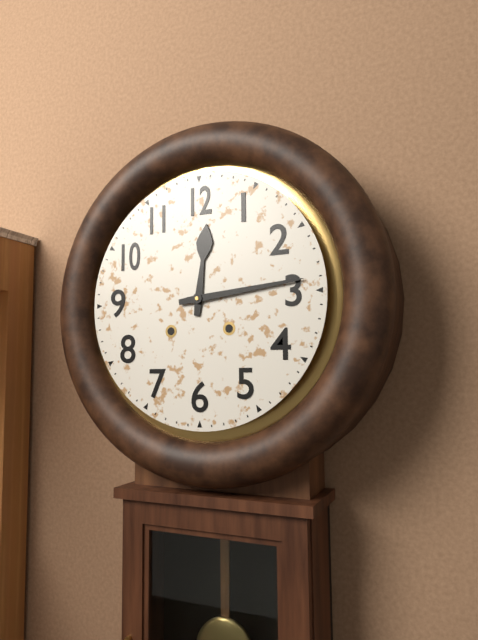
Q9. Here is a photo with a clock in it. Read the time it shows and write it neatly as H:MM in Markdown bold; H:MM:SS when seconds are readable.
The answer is **12:14**
